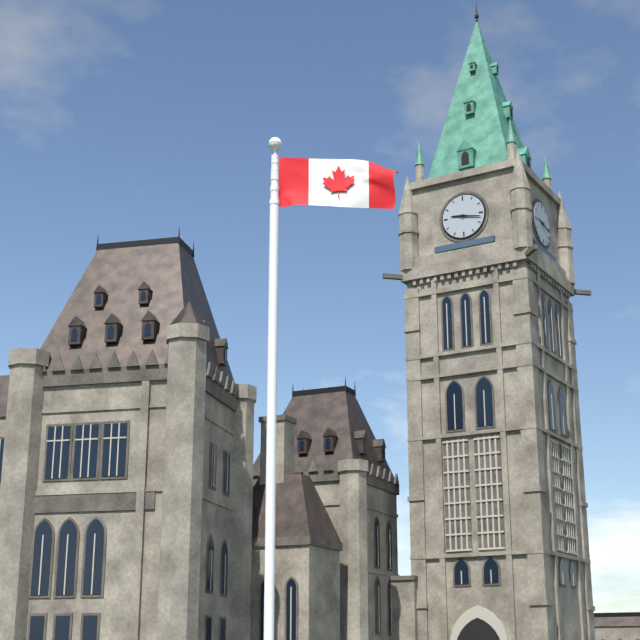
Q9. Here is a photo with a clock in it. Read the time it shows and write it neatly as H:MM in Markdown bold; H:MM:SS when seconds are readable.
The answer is **9:17**
